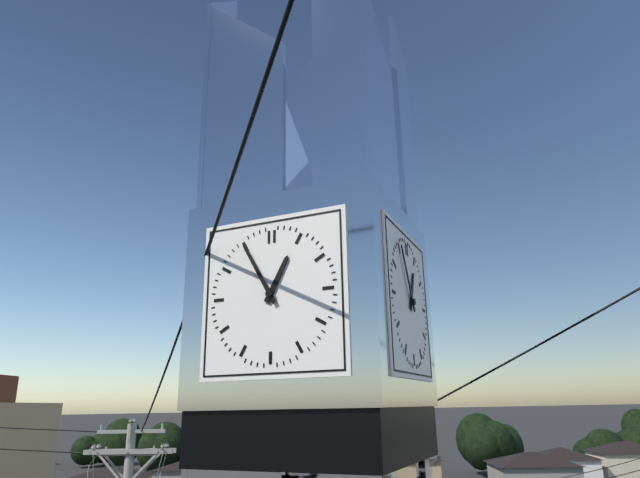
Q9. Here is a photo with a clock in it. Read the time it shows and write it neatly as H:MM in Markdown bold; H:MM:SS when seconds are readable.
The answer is **12:55**
